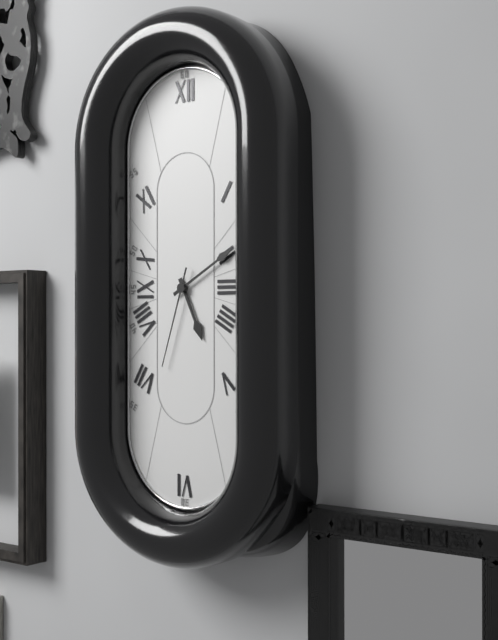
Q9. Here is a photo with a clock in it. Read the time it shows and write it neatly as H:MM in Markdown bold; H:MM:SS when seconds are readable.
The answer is **5:10:33**
